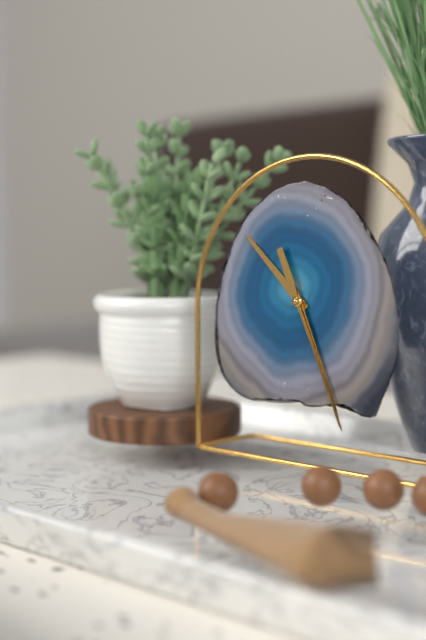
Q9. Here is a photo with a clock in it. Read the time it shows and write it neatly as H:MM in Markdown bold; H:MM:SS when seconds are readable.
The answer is **10:26:26**
